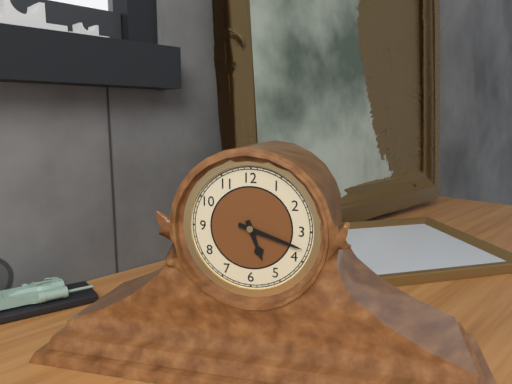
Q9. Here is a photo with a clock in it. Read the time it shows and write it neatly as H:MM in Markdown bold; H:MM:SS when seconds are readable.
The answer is **5:18**
